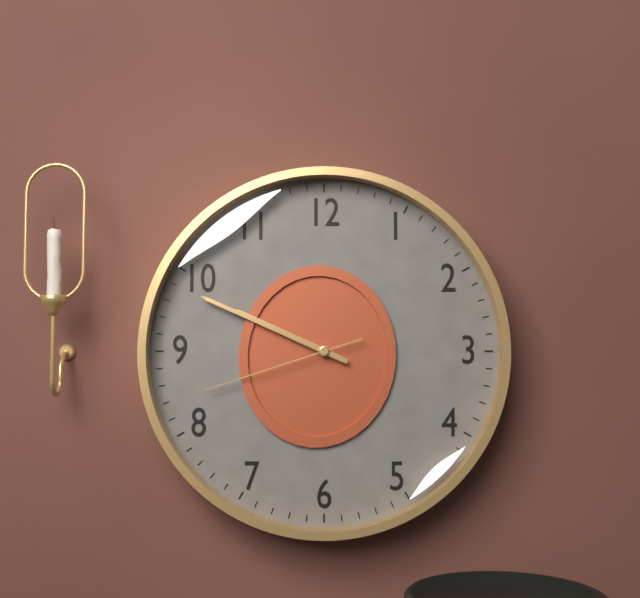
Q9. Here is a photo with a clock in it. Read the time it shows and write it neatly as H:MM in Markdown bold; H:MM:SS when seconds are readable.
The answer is **9:49:42**
